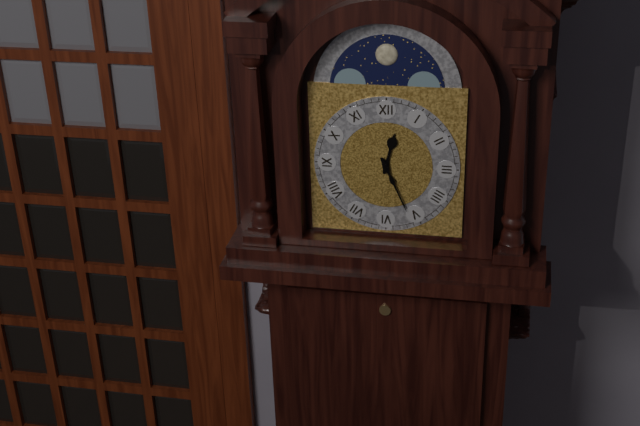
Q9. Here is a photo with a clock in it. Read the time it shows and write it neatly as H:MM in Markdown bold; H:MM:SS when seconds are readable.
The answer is **12:26**
